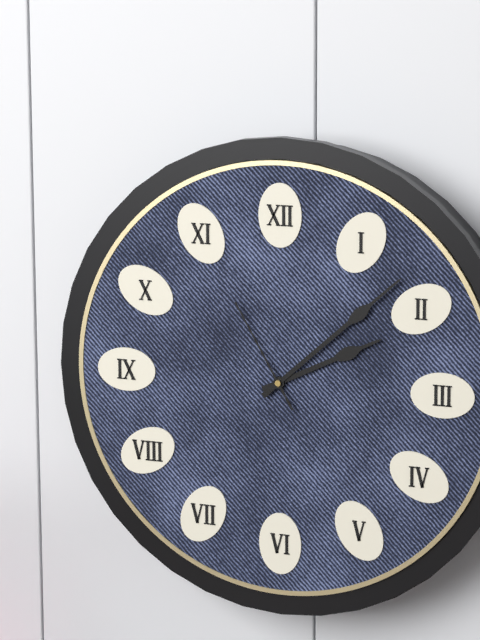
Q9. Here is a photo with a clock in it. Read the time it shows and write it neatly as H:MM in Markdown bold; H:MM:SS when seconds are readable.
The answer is **2:08:55**
